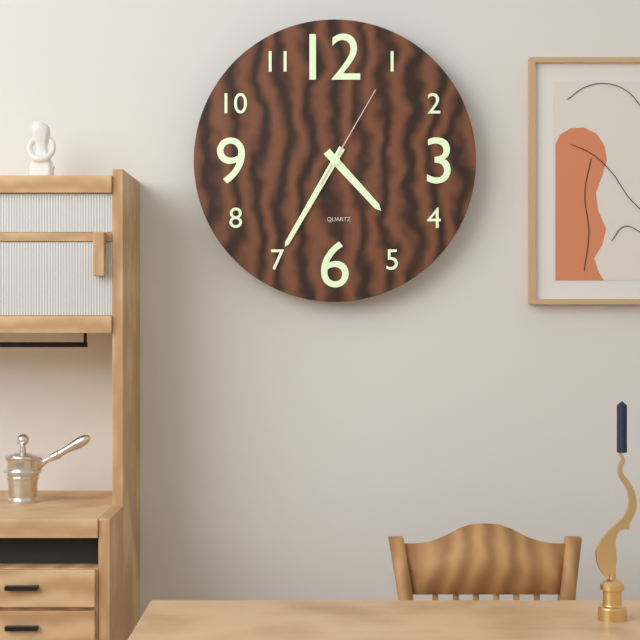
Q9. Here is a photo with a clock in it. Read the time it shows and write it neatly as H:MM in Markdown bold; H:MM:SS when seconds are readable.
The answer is **4:35:05**
